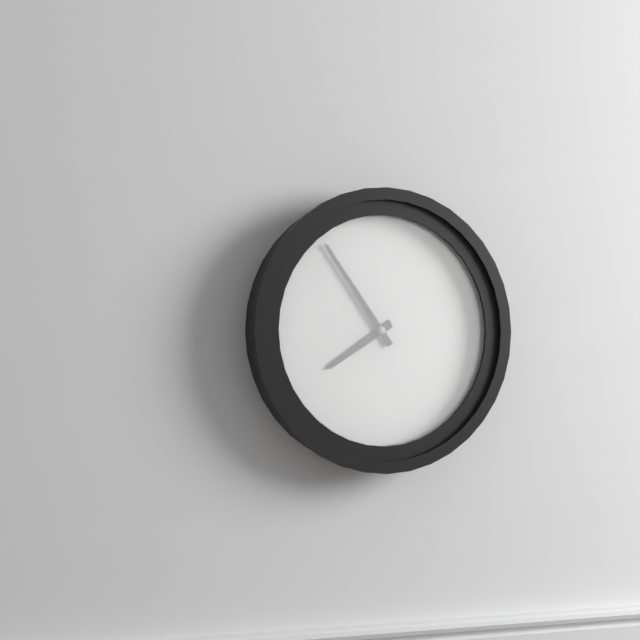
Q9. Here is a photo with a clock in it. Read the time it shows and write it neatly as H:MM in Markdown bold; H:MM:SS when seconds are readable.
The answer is **7:54**
